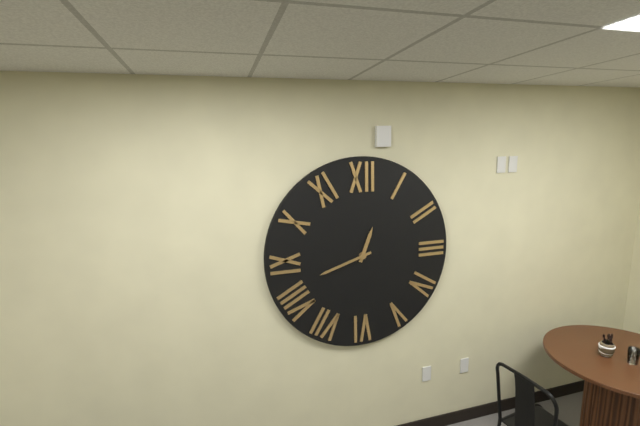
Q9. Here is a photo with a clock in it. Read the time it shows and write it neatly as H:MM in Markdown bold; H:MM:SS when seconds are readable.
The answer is **12:42**
